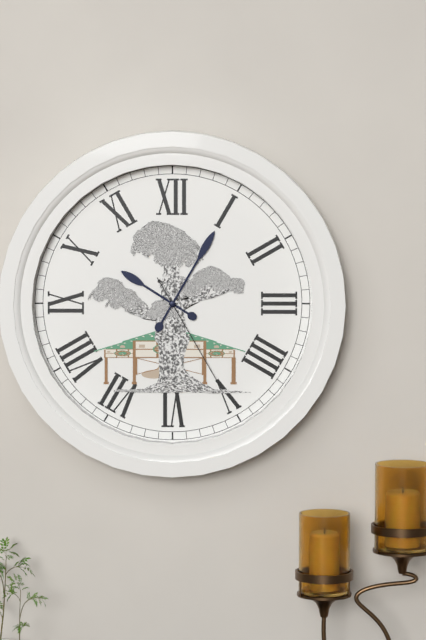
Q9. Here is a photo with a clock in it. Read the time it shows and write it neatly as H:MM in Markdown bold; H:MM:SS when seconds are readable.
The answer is **10:05:25**
